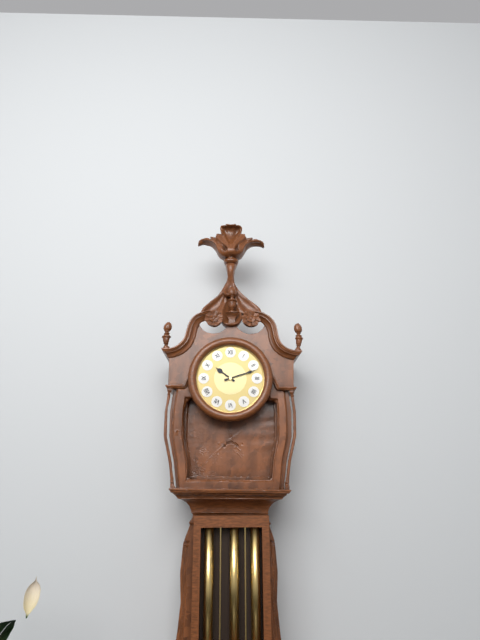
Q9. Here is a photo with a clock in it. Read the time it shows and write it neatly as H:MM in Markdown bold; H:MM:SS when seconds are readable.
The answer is **10:12**
